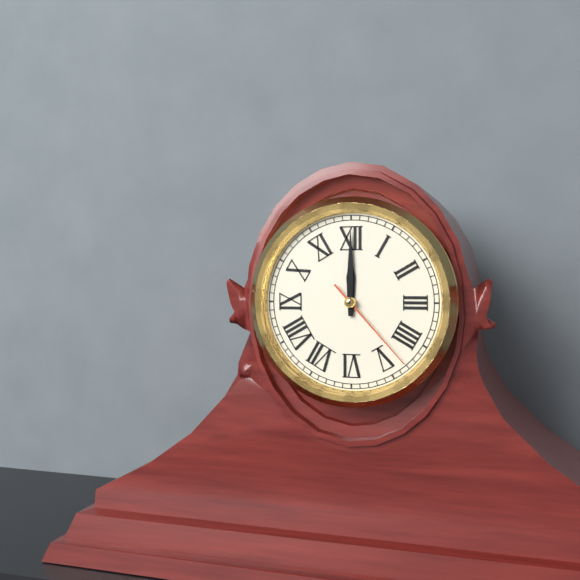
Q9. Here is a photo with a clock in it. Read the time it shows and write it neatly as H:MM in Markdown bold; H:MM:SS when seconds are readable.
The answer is **12:00:23**
